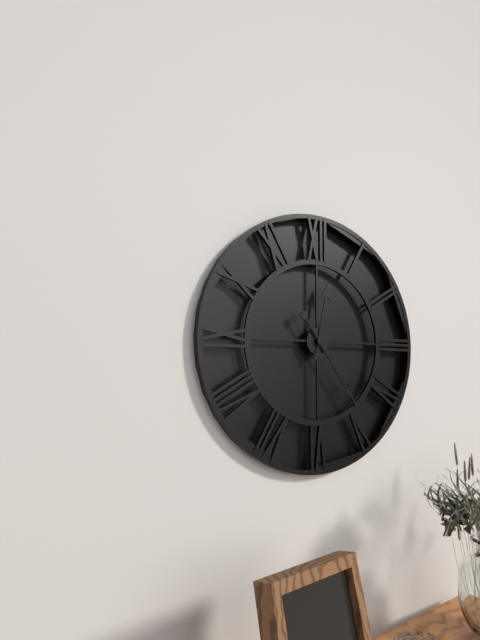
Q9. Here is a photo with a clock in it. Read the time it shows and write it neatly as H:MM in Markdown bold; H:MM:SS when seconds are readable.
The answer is **12:24**
